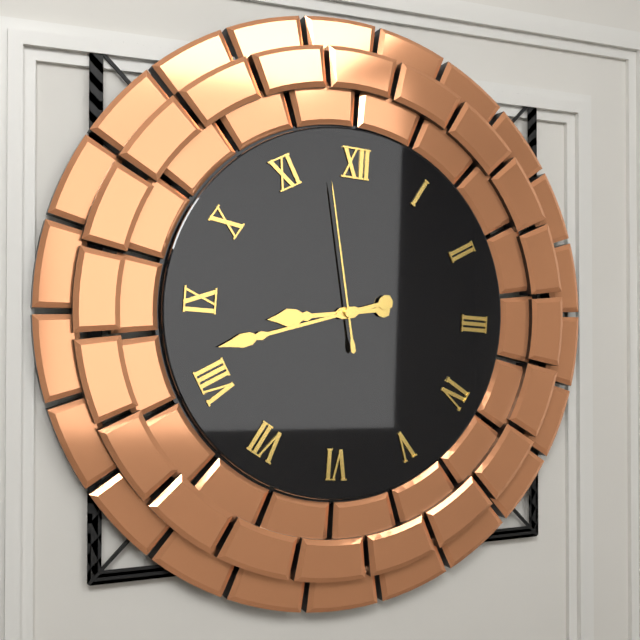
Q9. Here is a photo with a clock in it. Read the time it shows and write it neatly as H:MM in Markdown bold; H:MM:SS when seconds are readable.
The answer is **8:42:58**
